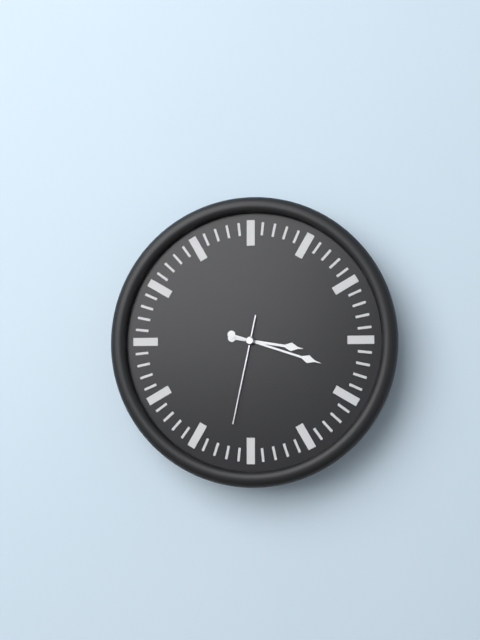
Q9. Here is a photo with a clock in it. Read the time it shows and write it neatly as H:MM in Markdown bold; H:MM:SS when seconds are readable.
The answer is **3:18:32**
